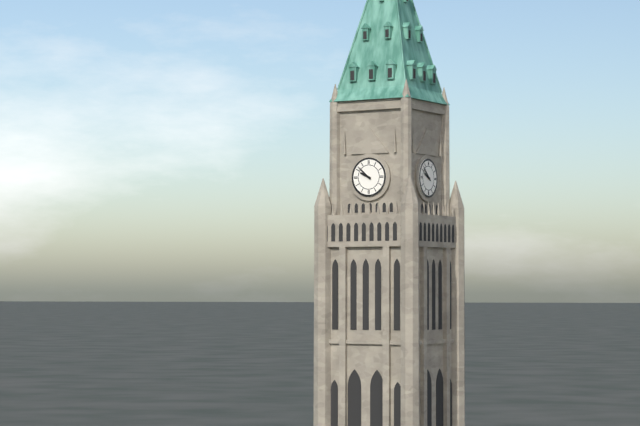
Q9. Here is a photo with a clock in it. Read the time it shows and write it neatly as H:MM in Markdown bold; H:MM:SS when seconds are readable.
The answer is **9:52**
